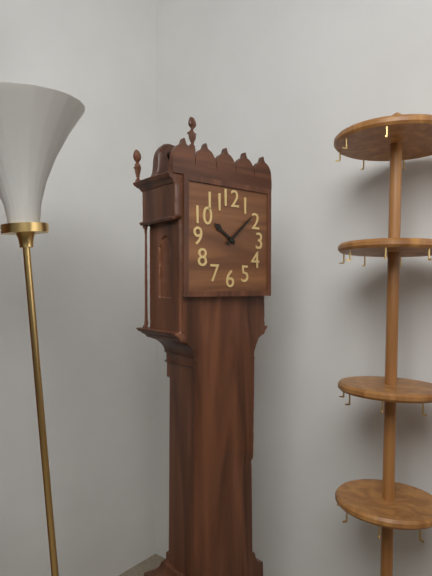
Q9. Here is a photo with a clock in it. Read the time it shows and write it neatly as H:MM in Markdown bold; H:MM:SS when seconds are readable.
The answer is **10:08**
